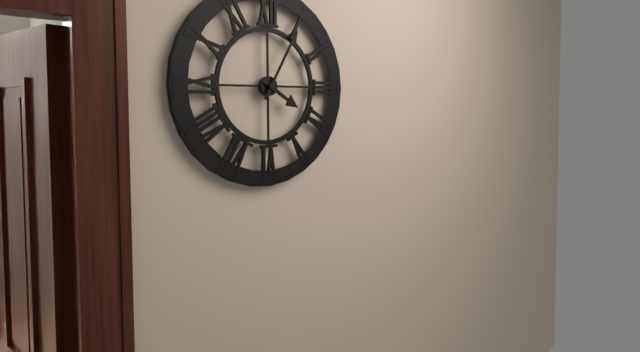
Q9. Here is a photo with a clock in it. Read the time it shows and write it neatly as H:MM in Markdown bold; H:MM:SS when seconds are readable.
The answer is **4:05**
